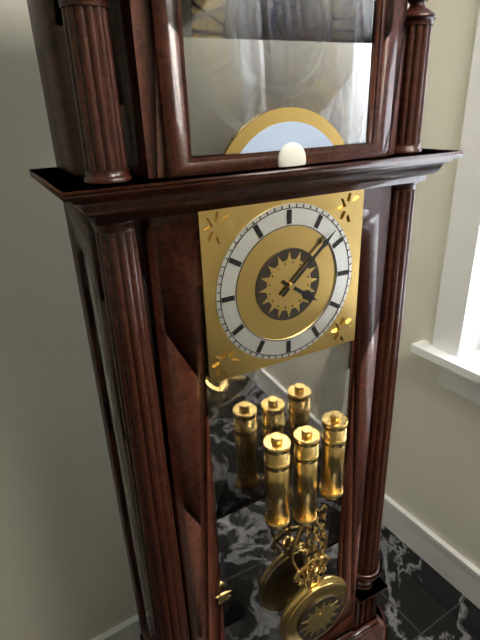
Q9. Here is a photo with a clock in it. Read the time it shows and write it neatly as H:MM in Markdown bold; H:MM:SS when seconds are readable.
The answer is **4:08**
